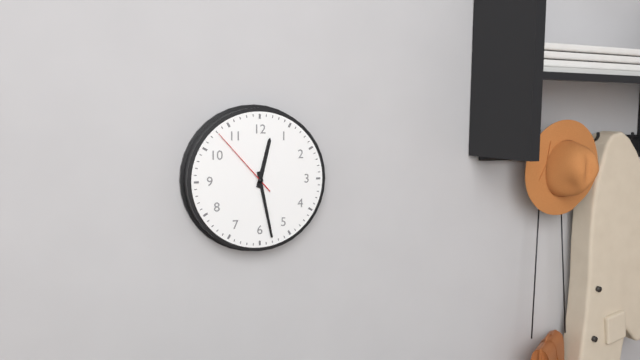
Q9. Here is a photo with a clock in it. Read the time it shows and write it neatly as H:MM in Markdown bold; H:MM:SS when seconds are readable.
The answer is **12:28:53**
